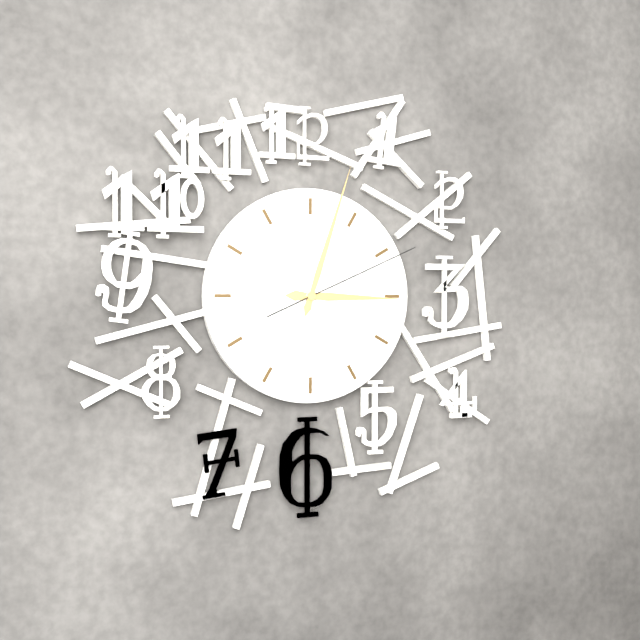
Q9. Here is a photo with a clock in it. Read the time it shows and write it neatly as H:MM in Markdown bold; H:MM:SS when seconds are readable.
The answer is **3:03:11**
